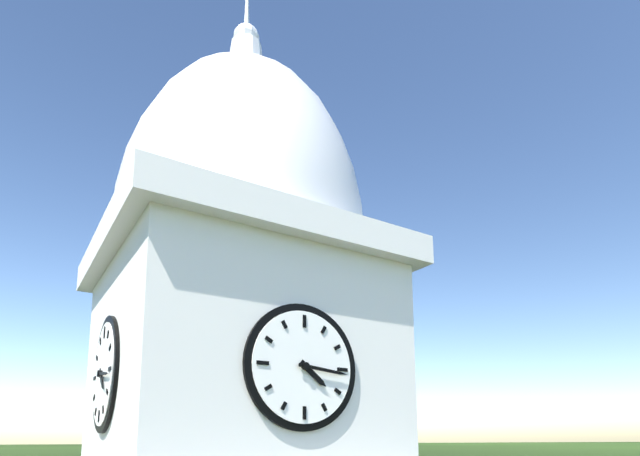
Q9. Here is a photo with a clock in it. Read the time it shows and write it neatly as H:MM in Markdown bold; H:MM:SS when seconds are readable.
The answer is **4:16**
